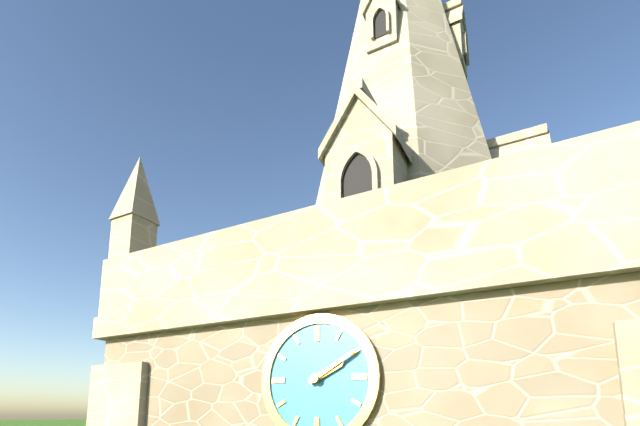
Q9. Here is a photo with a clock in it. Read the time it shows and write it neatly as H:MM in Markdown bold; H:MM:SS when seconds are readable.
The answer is **2:10**
